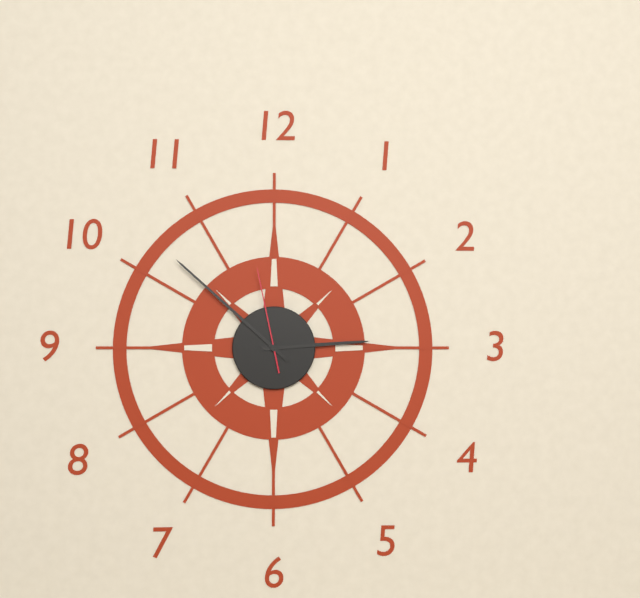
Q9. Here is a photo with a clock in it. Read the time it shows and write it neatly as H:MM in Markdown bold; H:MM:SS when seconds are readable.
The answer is **2:52:58**
